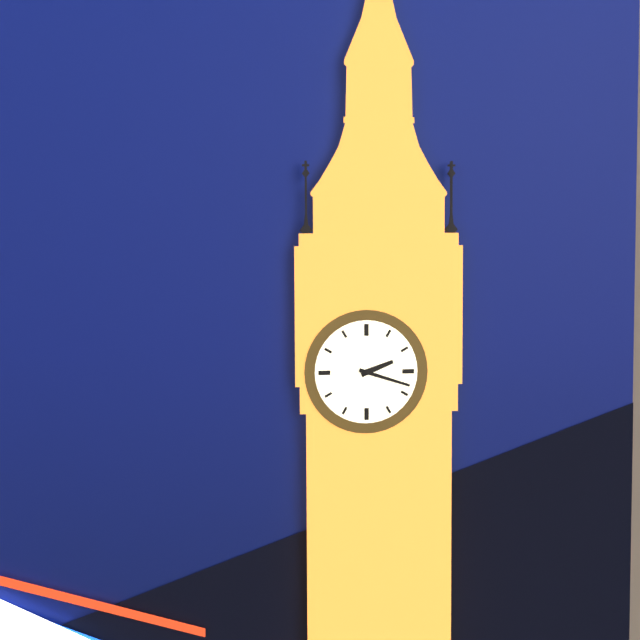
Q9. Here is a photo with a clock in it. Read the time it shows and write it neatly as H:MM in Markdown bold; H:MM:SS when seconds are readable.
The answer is **2:18**
